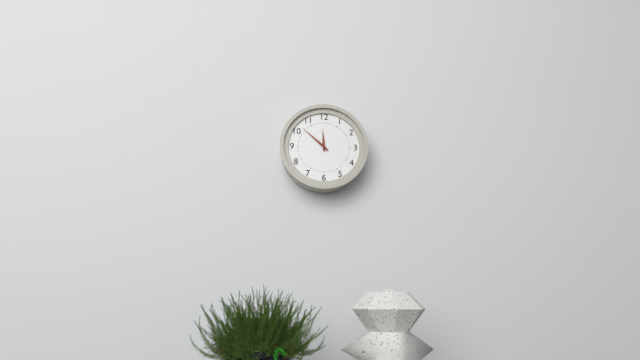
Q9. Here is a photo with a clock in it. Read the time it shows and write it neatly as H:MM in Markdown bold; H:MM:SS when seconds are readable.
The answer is **11:52**
